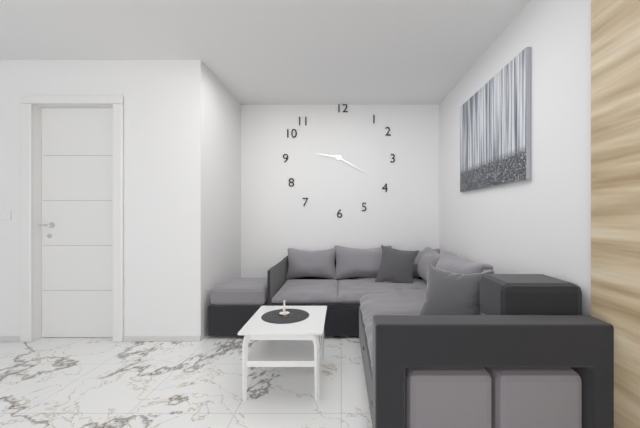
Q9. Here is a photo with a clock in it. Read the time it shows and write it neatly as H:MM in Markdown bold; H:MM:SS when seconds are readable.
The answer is **9:20**
